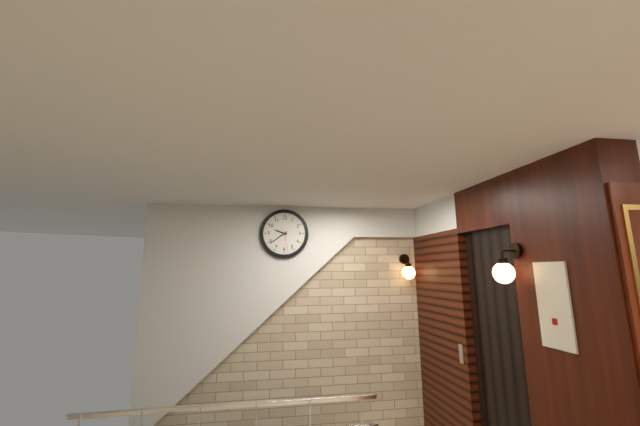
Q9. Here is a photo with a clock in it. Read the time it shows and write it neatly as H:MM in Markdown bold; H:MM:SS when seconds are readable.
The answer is **9:39**
